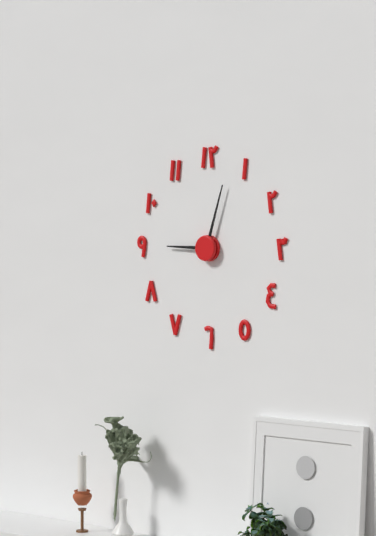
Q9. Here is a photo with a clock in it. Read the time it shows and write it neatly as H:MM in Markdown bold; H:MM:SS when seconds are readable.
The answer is **9:03**
